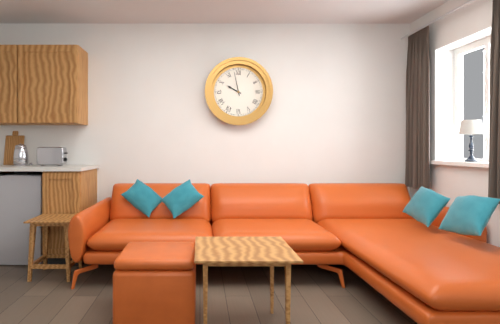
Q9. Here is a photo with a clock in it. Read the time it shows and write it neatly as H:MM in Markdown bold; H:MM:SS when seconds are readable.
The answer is **9:58**
